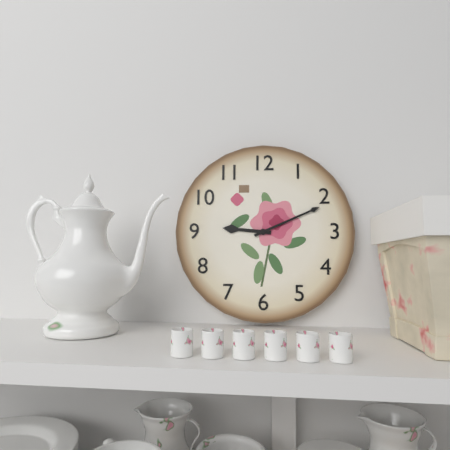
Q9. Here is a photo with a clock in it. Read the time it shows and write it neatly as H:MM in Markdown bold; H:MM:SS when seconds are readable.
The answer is **9:11**
